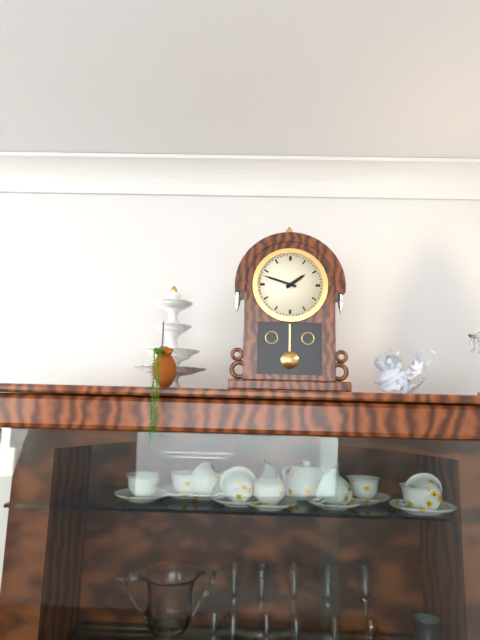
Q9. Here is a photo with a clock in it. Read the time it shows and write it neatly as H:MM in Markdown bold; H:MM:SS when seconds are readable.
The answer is **1:48**
